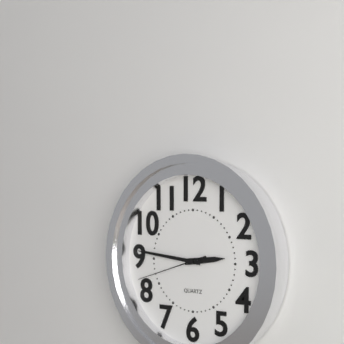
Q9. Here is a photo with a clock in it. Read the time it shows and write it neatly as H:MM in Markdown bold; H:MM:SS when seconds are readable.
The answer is **2:46:42**
